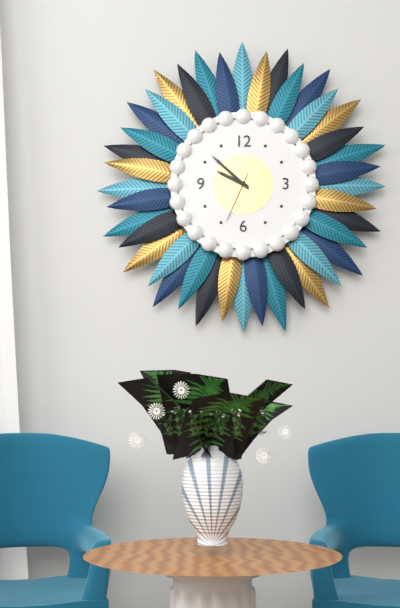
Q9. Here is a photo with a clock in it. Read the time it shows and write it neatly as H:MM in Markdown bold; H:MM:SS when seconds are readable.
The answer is **9:52:34**
